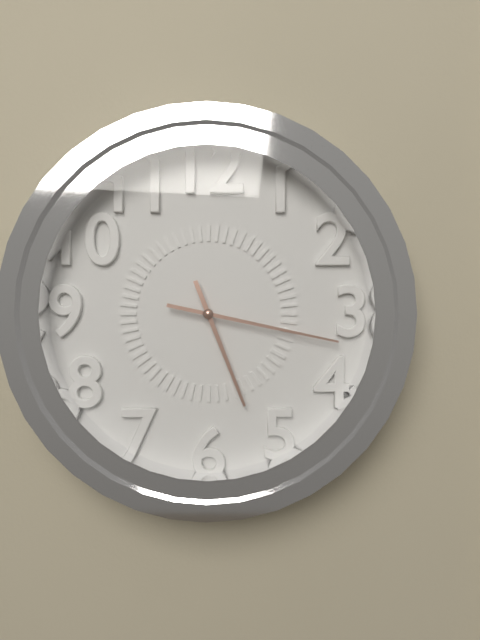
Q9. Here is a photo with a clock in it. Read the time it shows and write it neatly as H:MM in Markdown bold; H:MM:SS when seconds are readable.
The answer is **5:17**
